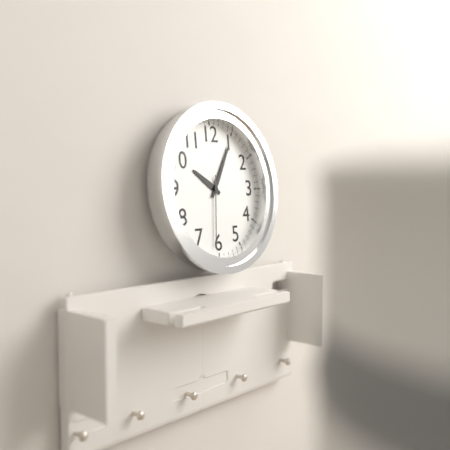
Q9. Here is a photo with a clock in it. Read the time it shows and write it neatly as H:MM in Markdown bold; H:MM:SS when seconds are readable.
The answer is **10:05:31**
